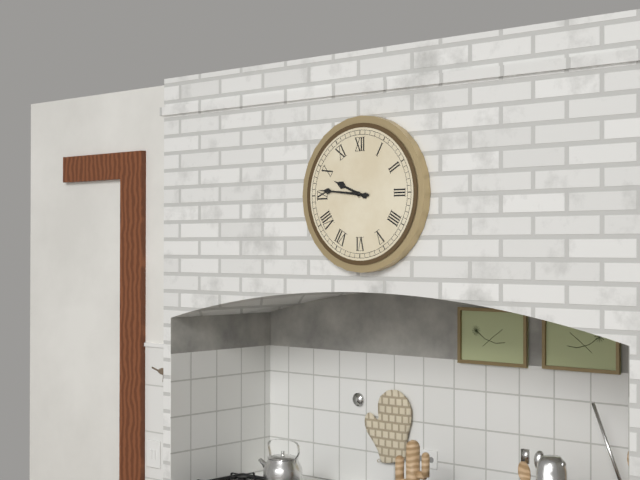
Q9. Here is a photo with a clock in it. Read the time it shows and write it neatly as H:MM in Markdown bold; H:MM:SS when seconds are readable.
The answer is **9:46**
